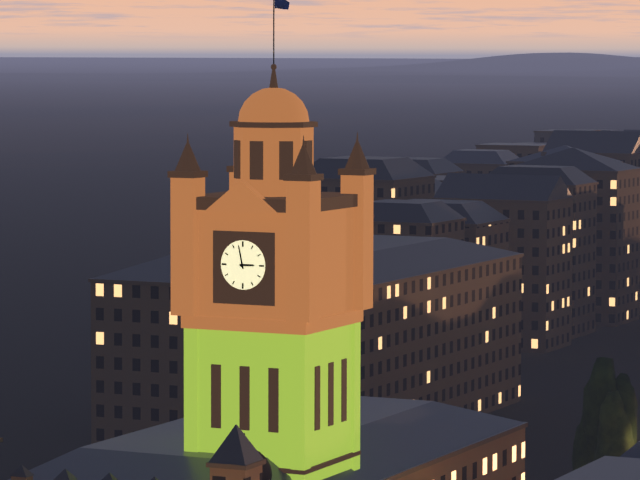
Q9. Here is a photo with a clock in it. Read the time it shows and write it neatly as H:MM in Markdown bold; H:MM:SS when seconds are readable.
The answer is **2:58**
